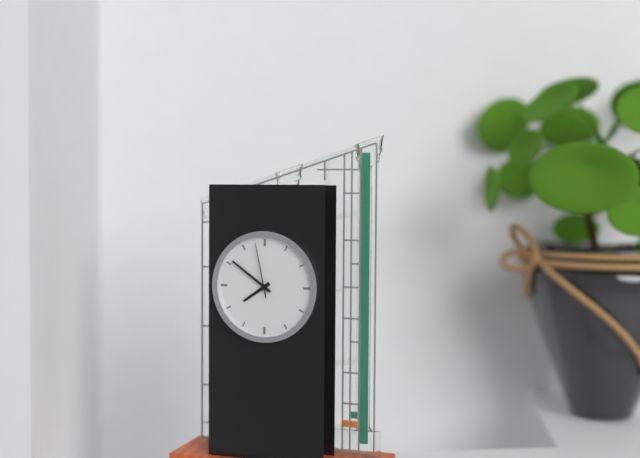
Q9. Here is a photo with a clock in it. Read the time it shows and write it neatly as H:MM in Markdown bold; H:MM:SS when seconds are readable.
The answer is **7:51:58**
